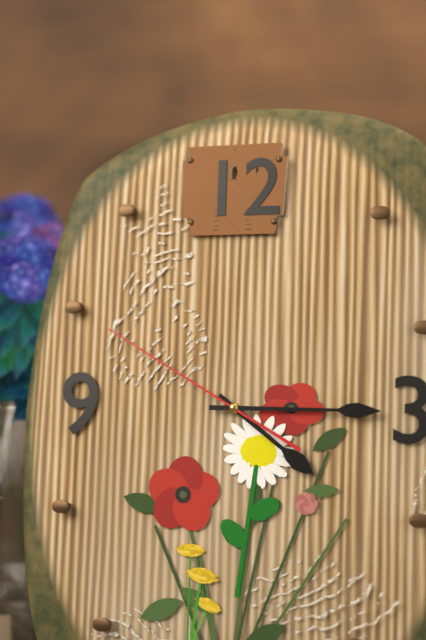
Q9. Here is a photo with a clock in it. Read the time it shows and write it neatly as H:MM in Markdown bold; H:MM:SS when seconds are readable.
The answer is **4:15:50**
